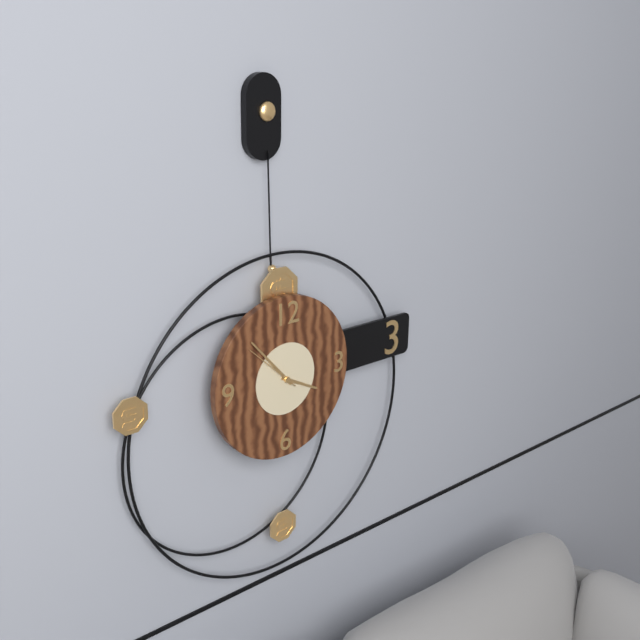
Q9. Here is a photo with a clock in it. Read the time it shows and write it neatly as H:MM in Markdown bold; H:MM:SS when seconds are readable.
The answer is **3:53:52**
